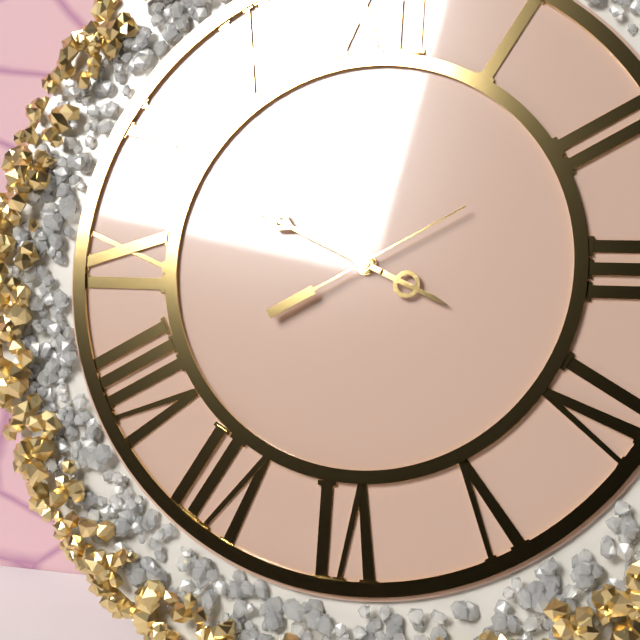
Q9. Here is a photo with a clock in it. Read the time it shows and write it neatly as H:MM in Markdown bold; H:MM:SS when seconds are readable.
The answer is **3:49:10**
